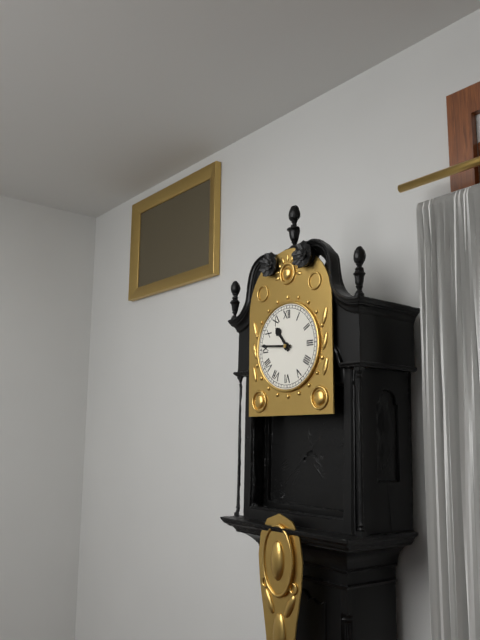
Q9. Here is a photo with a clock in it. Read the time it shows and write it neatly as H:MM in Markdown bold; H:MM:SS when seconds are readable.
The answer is **10:46**
